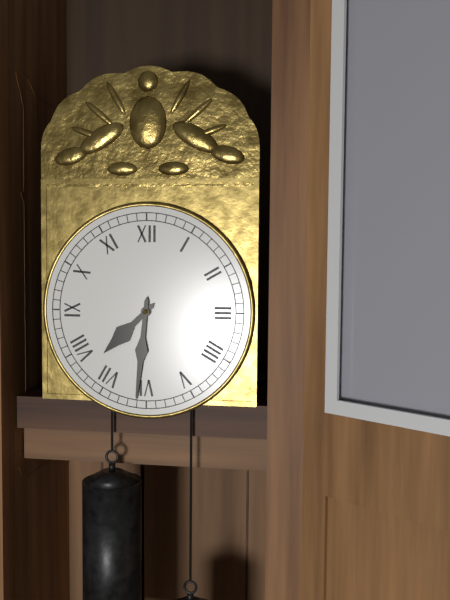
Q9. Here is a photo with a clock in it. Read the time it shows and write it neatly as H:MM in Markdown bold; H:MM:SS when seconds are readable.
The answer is **7:31**
